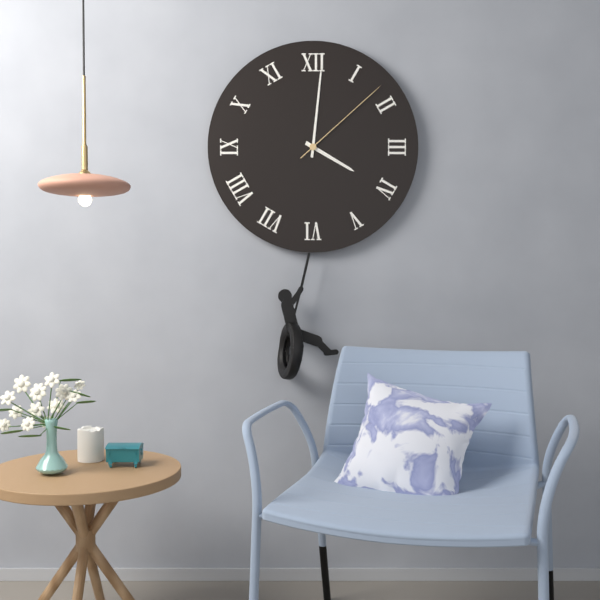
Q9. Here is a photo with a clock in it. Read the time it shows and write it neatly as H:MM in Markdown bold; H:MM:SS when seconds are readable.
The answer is **4:01:08**
